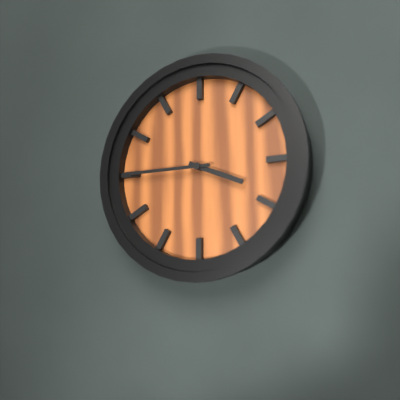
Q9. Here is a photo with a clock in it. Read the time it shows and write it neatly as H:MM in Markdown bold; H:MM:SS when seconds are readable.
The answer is **3:45**
